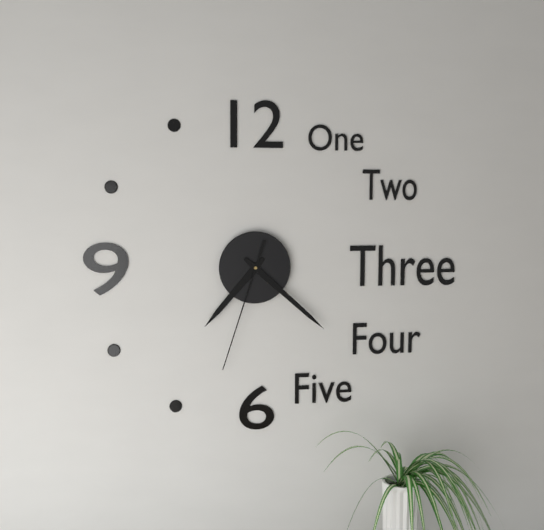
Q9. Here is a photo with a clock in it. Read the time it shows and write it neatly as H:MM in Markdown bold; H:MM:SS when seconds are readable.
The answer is **7:22:33**
